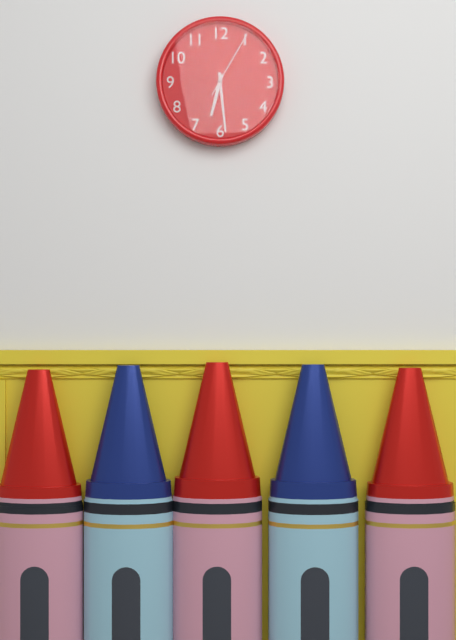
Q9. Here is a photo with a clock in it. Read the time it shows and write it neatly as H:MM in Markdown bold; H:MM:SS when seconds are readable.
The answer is **6:29:05**
